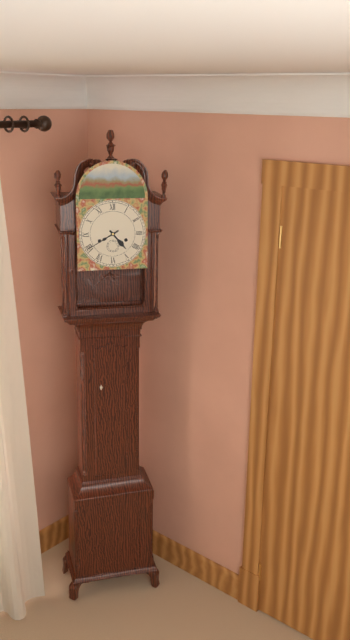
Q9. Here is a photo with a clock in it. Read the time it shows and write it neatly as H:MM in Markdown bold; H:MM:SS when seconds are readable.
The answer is **4:40**
